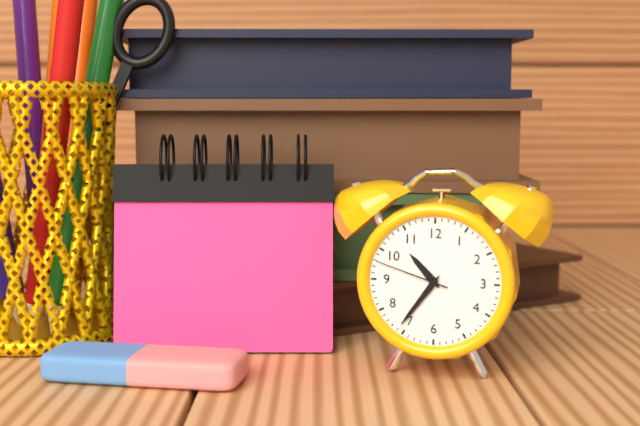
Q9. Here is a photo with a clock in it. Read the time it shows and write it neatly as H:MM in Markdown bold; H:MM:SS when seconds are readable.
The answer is **10:36:48**
